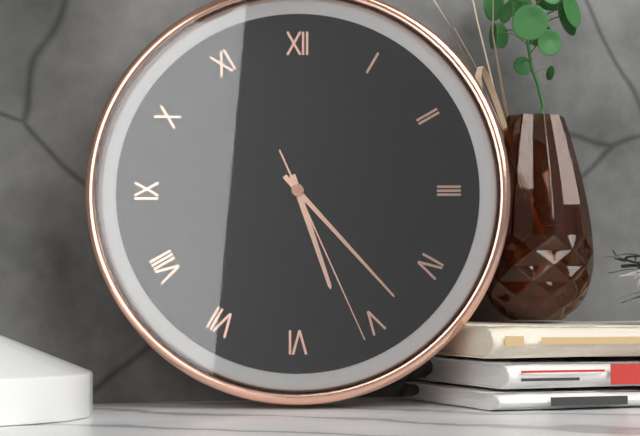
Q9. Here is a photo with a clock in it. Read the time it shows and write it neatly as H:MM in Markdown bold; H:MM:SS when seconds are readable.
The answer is **5:23:26**
